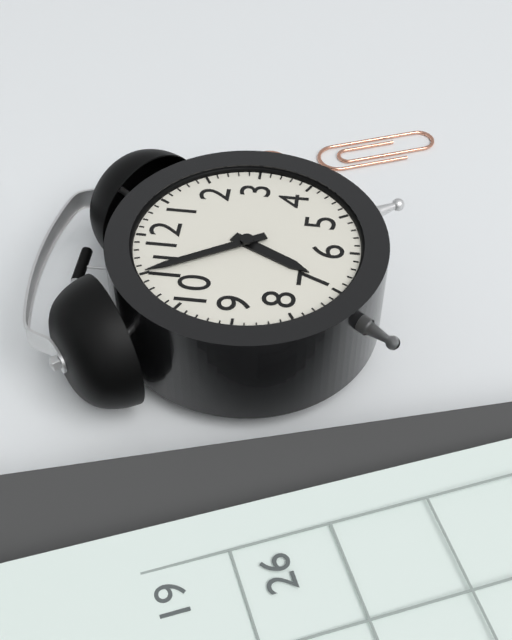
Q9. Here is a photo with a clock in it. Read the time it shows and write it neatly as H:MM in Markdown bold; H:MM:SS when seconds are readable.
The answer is **6:55**
